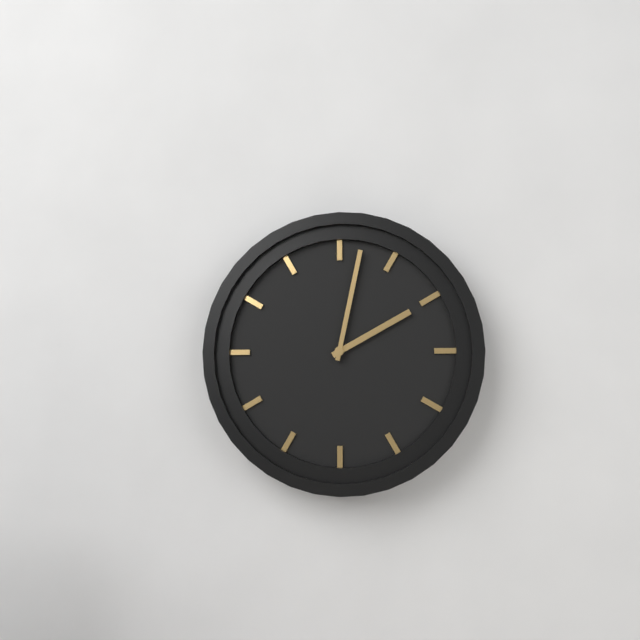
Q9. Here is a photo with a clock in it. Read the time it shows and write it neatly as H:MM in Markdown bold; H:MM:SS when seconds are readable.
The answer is **2:02**
